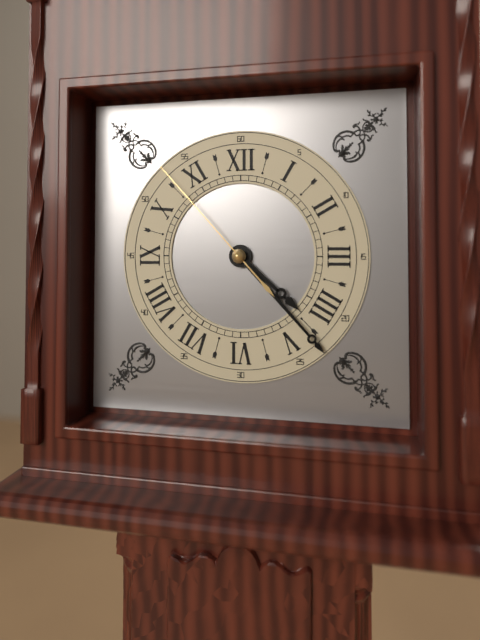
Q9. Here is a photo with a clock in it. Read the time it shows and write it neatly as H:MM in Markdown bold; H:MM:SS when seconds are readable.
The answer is **4:23:53**
